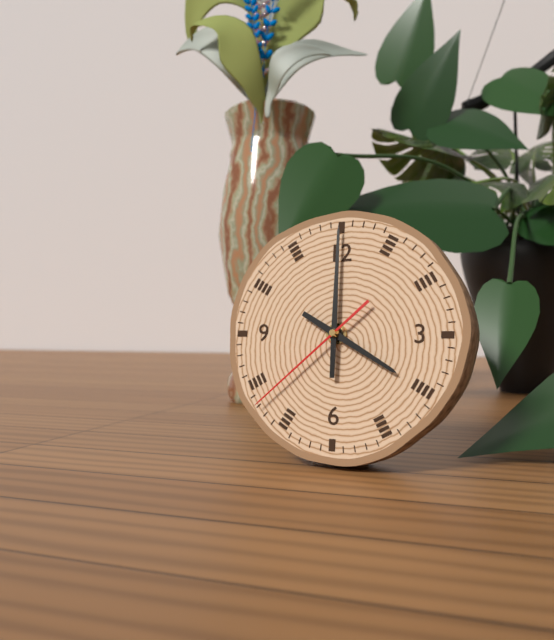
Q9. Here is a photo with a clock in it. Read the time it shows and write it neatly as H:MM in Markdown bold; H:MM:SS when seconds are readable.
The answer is **4:00:38**
